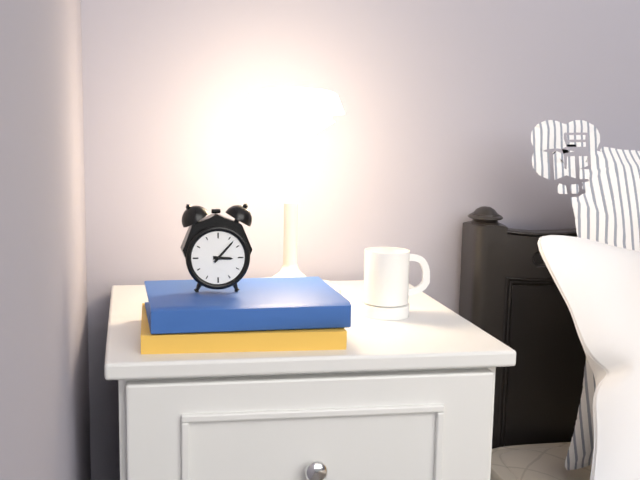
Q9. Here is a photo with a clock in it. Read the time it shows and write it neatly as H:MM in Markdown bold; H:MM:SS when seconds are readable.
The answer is **3:07**
